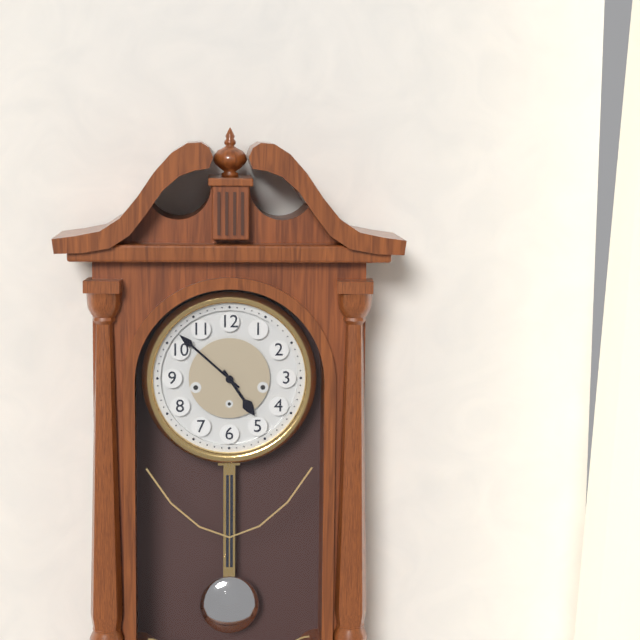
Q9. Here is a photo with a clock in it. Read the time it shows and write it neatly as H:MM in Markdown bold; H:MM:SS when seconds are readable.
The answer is **4:52**
